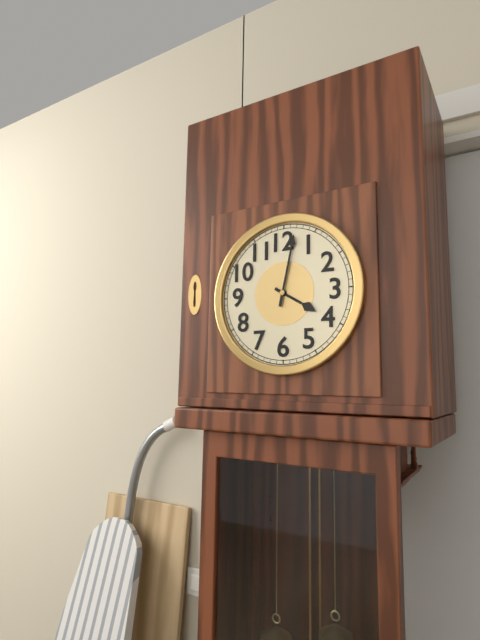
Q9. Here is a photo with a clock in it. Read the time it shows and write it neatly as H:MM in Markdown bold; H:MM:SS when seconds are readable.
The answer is **4:02**
